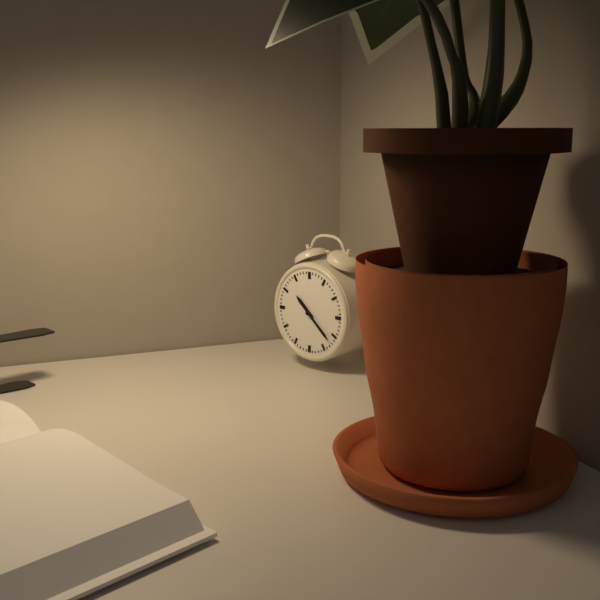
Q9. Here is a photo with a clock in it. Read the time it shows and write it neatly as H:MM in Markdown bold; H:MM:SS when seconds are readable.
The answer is **10:22**
